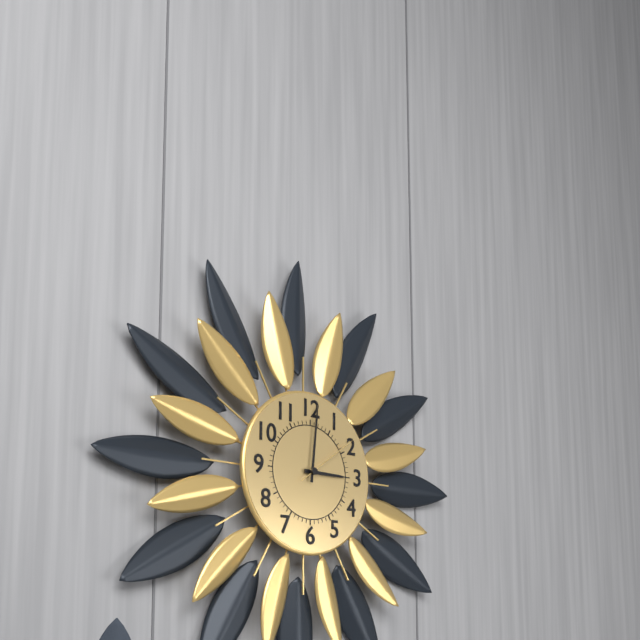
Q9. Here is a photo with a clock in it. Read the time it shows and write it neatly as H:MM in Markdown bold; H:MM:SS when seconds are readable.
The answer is **3:01:09**
